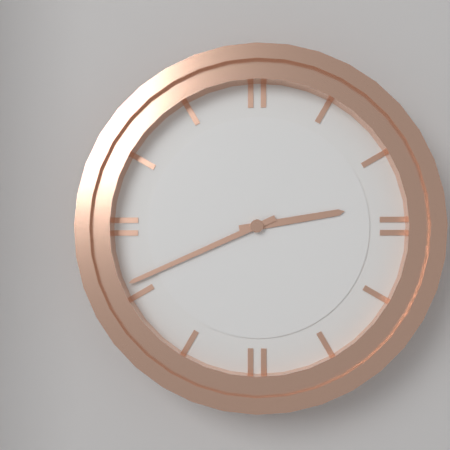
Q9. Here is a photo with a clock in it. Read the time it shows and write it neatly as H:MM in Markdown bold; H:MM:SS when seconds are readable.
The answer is **2:41**
